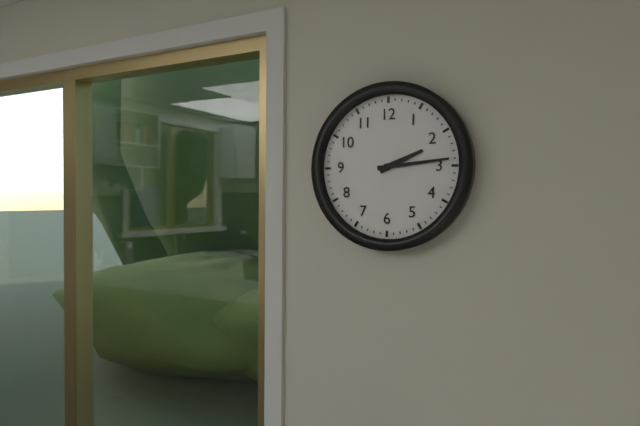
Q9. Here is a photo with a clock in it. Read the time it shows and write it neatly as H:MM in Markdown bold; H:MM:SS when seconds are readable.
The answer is **2:14**
